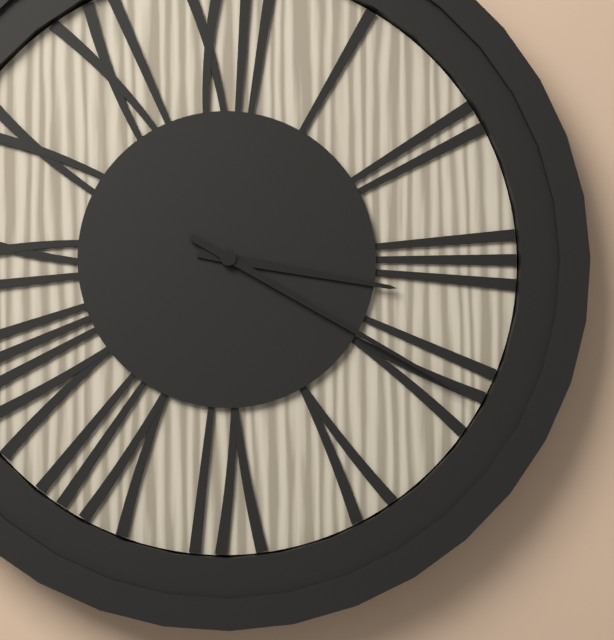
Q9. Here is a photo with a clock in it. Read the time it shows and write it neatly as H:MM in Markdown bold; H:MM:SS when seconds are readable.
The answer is **3:20**
